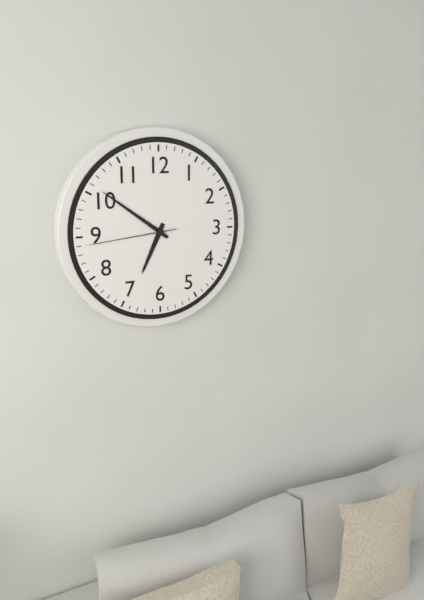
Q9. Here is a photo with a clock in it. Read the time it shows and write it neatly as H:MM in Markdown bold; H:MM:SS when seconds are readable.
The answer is **6:51:44**
